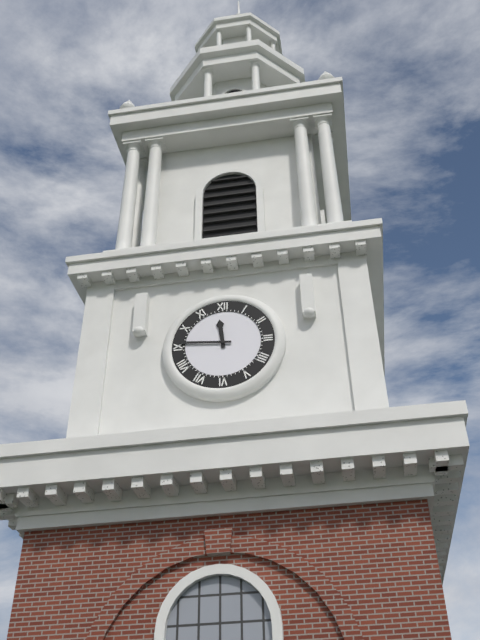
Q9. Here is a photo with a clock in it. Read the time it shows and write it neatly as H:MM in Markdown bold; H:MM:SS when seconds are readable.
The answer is **11:46**
